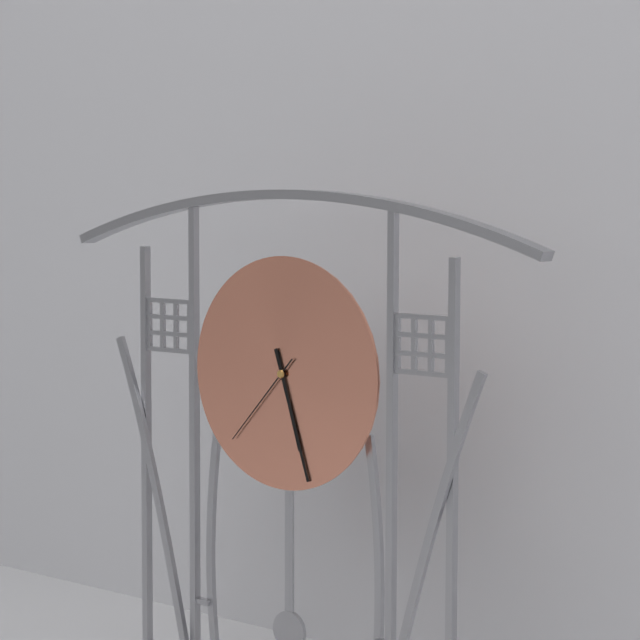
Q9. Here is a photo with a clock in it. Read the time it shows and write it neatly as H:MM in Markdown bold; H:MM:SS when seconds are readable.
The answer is **5:27:37**
